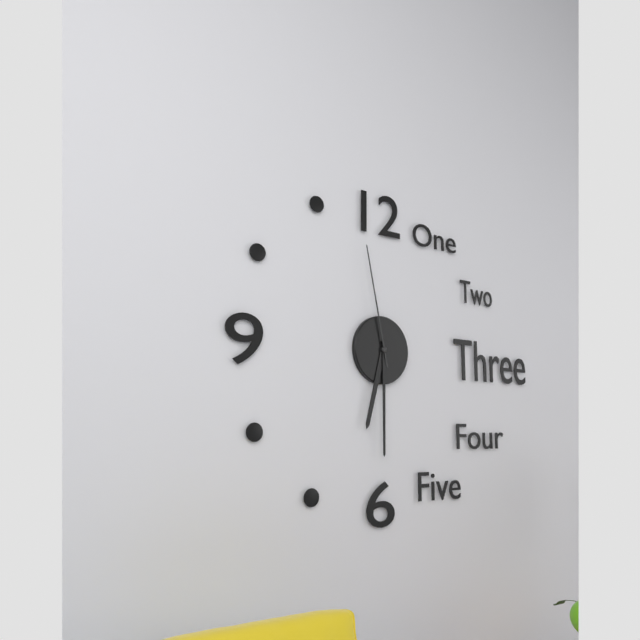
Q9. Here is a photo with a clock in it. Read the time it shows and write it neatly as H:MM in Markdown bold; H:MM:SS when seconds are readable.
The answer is **6:30:58**
